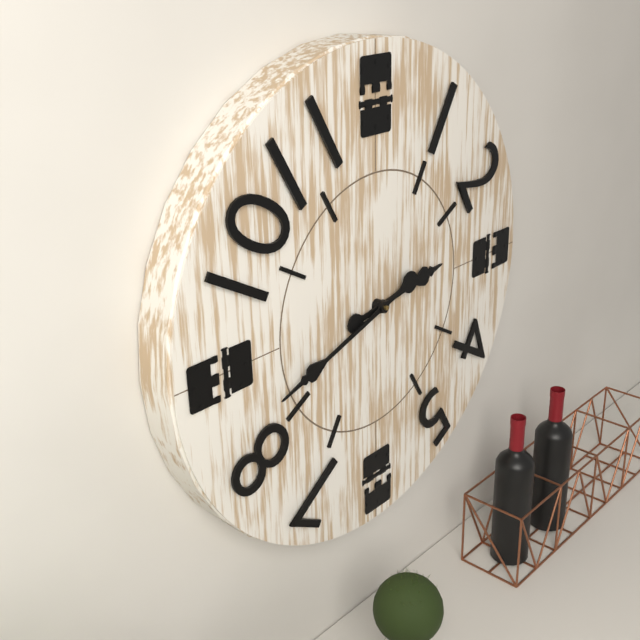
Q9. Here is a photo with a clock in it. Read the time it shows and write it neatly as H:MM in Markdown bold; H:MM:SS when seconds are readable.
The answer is **2:42**
